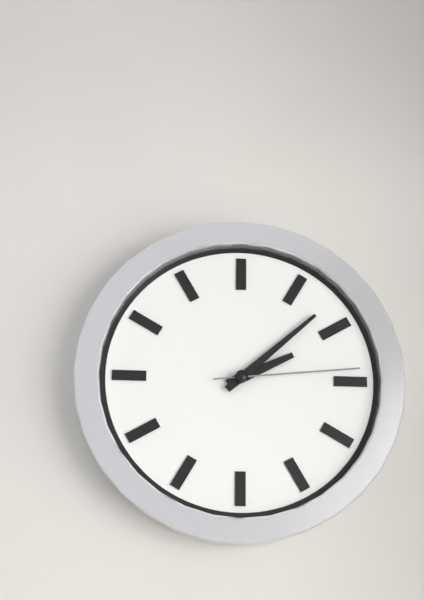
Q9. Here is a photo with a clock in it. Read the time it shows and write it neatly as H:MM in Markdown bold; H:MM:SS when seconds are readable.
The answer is **2:08:14**
